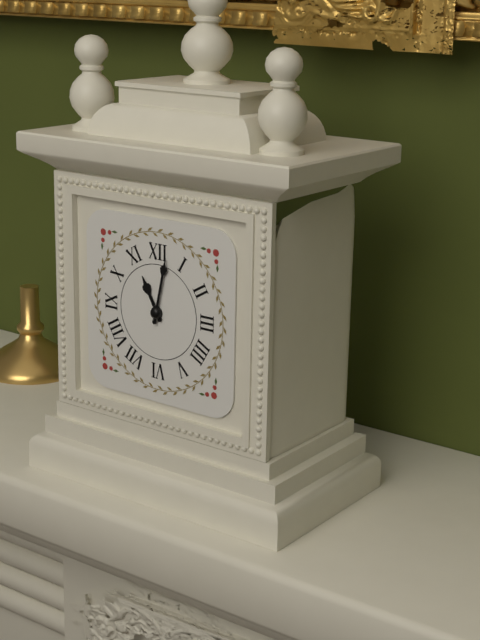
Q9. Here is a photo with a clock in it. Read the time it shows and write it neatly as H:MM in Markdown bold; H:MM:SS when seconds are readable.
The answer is **11:02**
